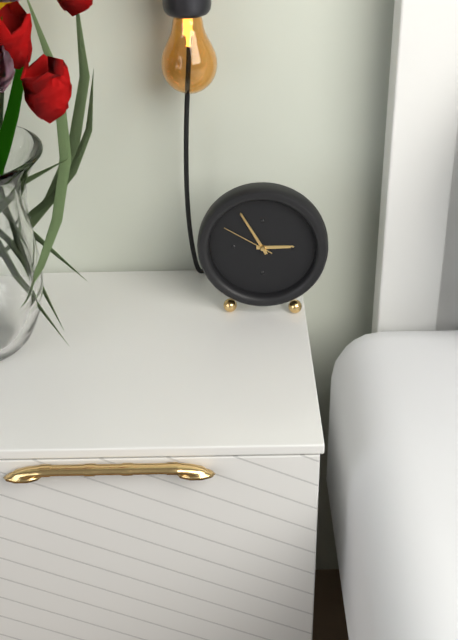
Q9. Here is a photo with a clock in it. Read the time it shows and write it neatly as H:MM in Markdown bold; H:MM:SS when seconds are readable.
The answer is **2:55:50**
